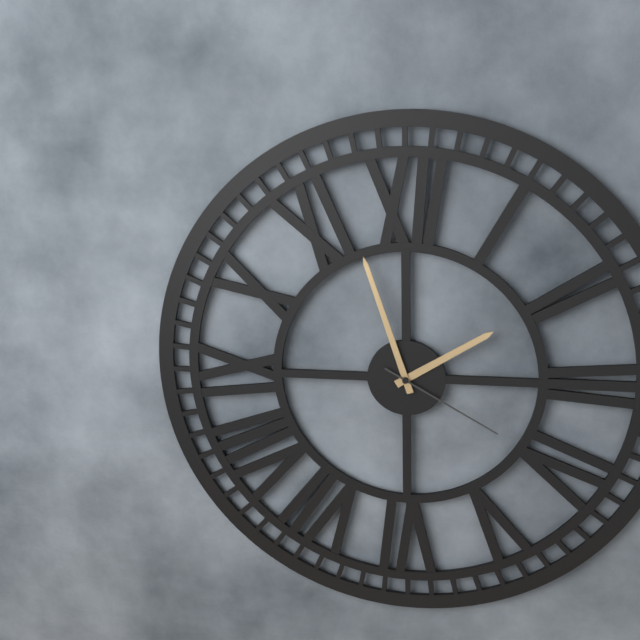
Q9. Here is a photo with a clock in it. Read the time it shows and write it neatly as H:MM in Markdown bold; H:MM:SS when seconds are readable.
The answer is **1:57:20**
